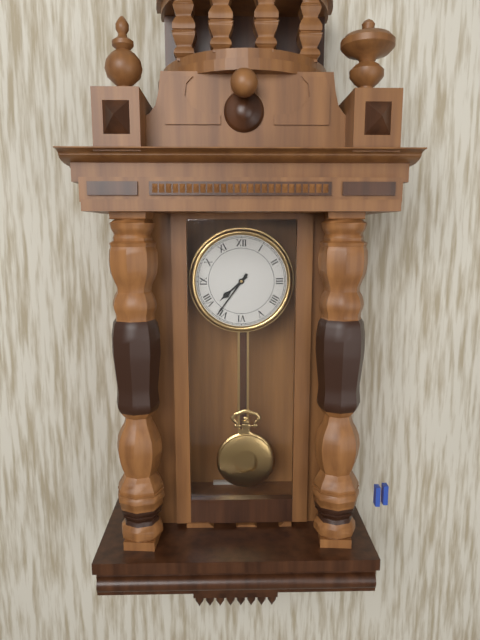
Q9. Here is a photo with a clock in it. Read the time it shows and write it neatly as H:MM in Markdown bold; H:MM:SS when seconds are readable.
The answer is **7:36**
